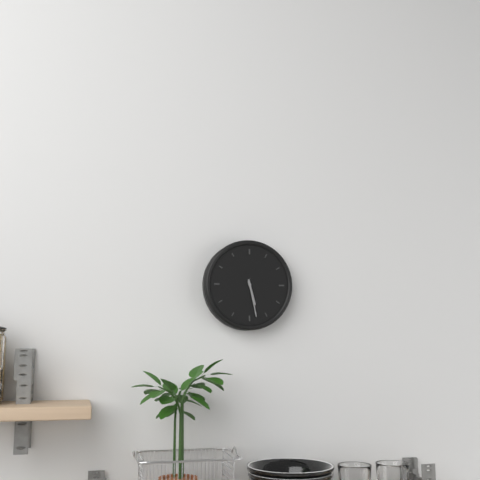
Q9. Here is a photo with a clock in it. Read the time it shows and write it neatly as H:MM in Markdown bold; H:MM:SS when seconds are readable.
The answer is **5:28**
